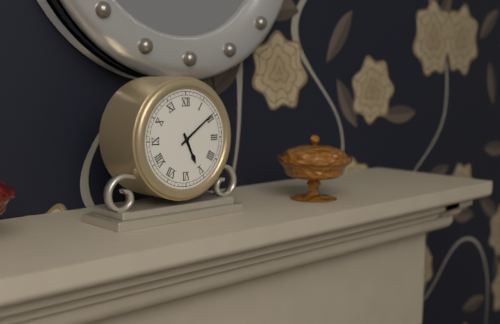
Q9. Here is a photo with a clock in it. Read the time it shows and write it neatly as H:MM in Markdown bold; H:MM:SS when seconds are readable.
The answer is **5:09**
